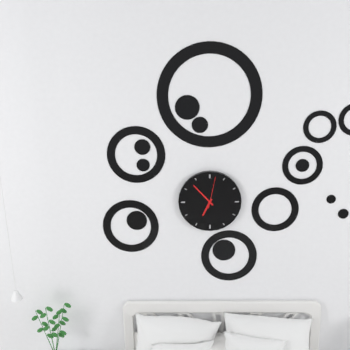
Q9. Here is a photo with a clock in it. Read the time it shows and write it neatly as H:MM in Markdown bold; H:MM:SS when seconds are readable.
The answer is **6:53**
